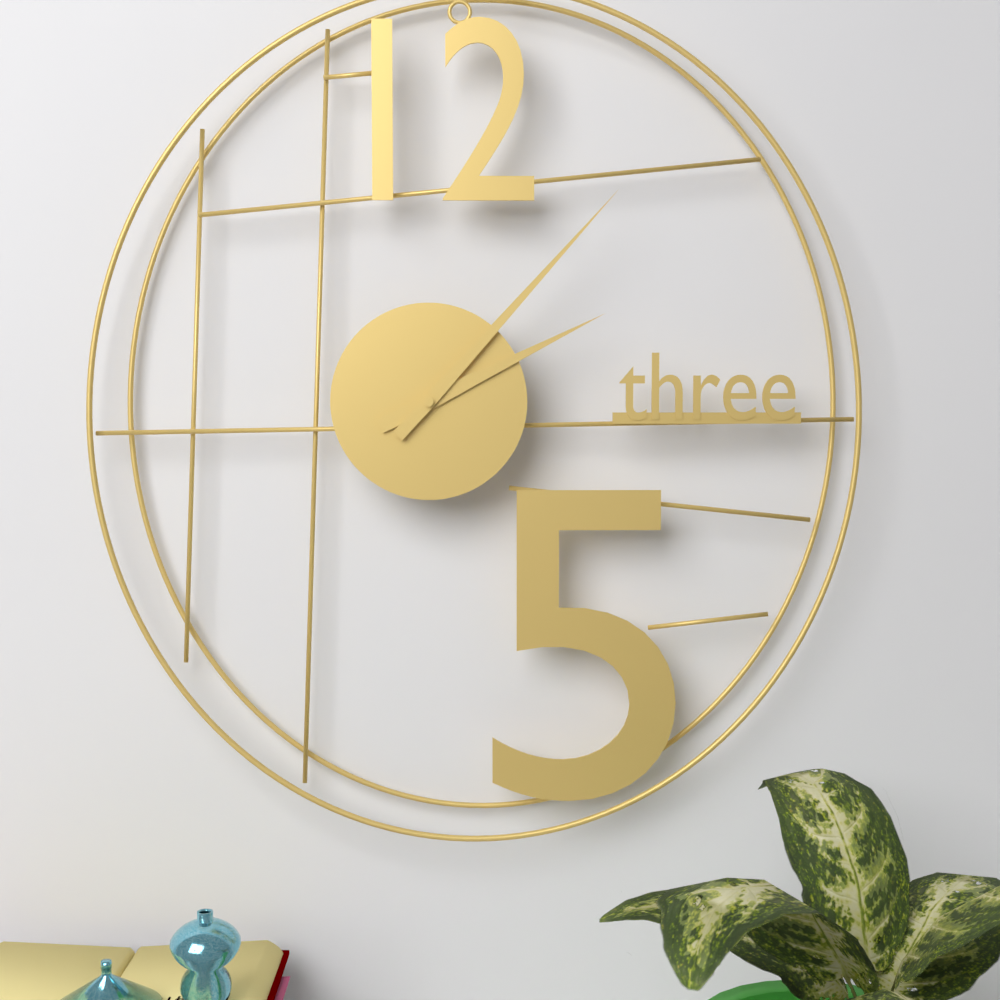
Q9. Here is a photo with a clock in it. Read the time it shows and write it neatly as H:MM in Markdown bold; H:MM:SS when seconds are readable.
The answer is **2:07**
